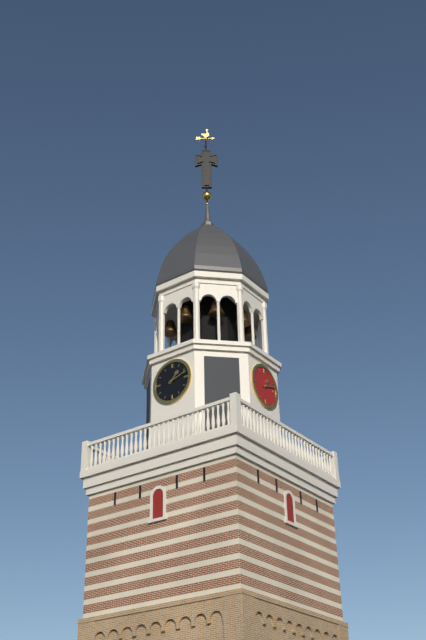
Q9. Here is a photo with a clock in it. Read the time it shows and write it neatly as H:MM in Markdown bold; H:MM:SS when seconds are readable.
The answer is **1:12**
